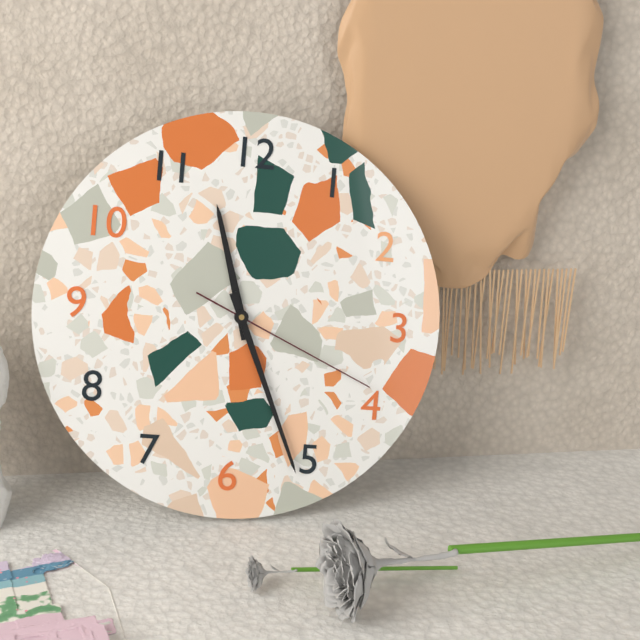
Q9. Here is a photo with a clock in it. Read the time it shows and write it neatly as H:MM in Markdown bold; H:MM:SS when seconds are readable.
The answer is **11:26:19**
